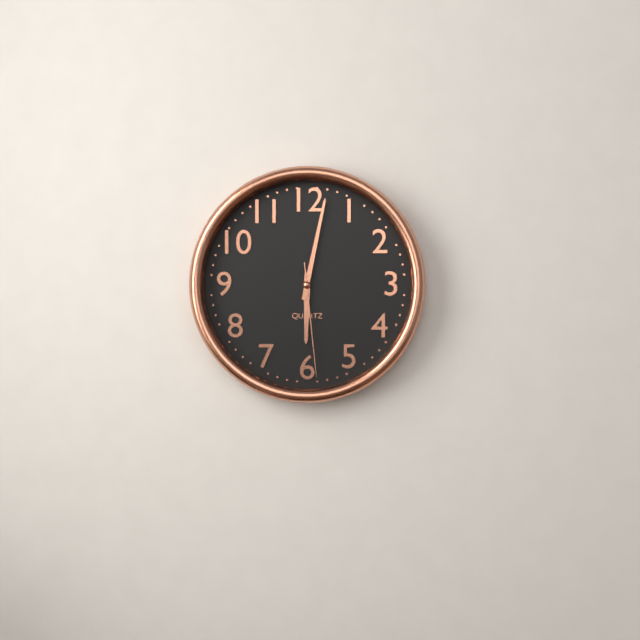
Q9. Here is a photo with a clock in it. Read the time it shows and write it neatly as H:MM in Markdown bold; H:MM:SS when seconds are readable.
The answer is **6:02:29**
